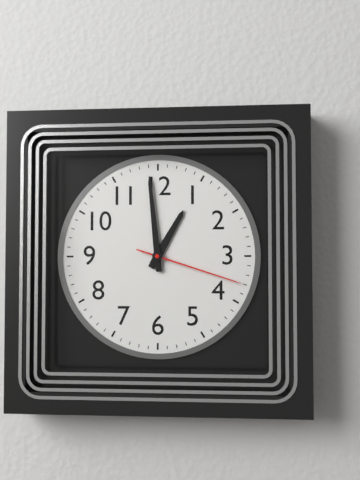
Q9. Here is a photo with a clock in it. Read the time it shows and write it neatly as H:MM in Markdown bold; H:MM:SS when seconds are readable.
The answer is **12:59:18**
